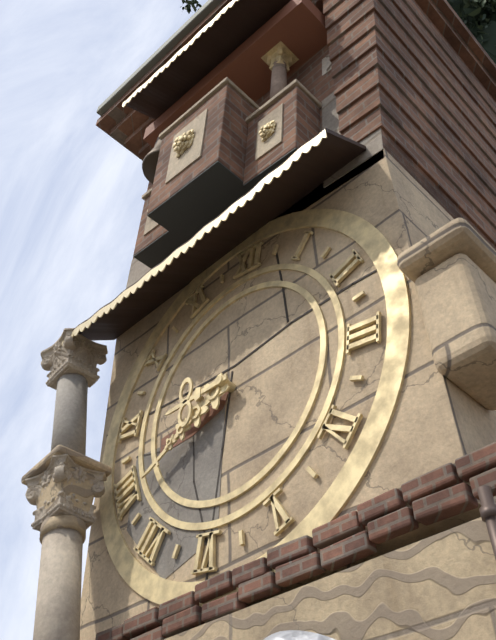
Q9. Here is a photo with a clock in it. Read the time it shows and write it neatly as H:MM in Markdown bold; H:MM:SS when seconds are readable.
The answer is **8:39**
